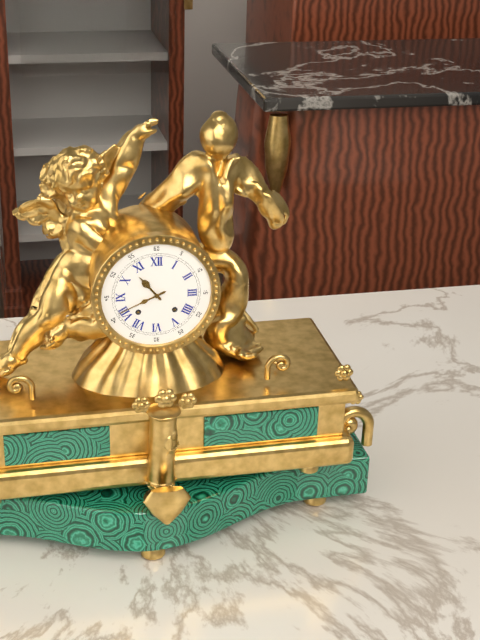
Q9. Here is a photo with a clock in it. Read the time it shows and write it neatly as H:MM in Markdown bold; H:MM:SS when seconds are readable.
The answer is **10:41**
